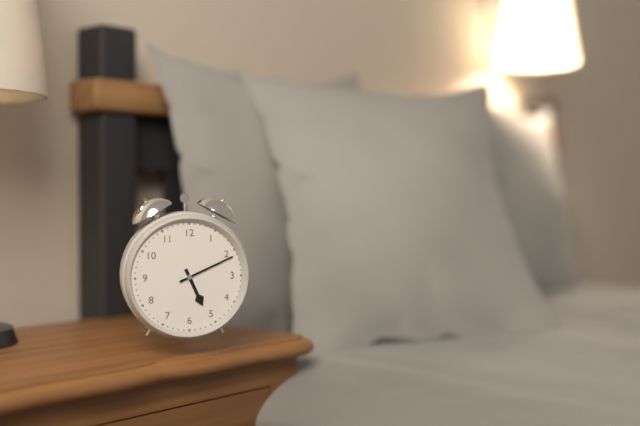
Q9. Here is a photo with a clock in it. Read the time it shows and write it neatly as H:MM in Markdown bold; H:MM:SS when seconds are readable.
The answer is **5:11**
